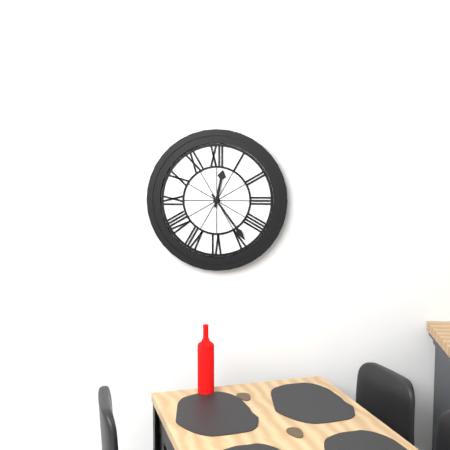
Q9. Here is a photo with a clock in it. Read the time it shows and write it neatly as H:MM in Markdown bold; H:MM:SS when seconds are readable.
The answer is **12:24**
